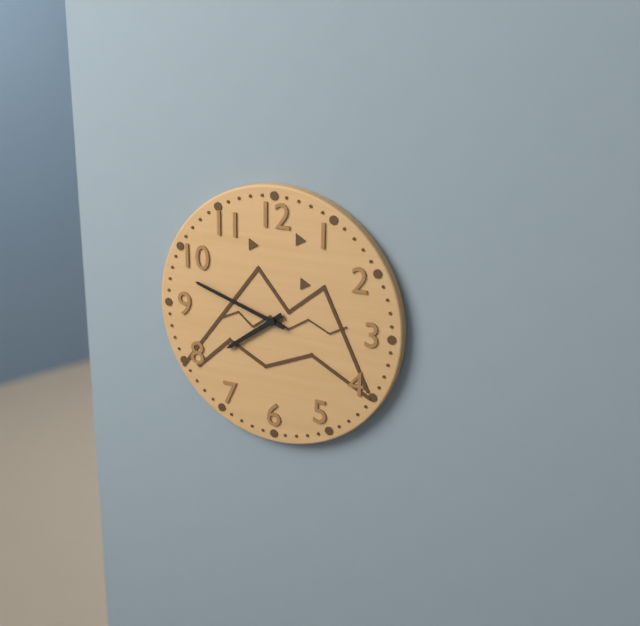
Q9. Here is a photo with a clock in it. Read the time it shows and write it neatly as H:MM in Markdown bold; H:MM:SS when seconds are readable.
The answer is **7:48**
